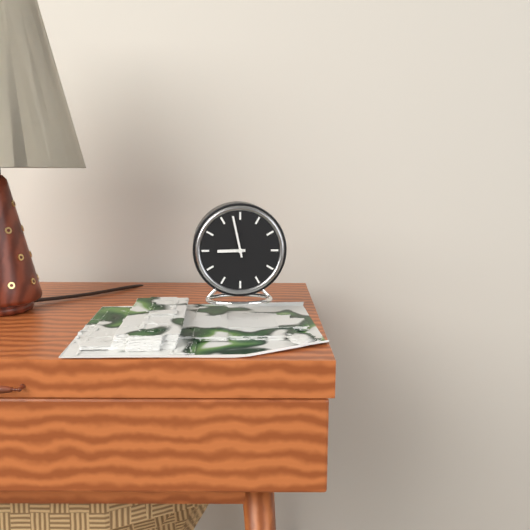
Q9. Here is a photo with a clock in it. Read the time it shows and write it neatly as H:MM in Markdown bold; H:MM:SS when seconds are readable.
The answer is **8:58**
